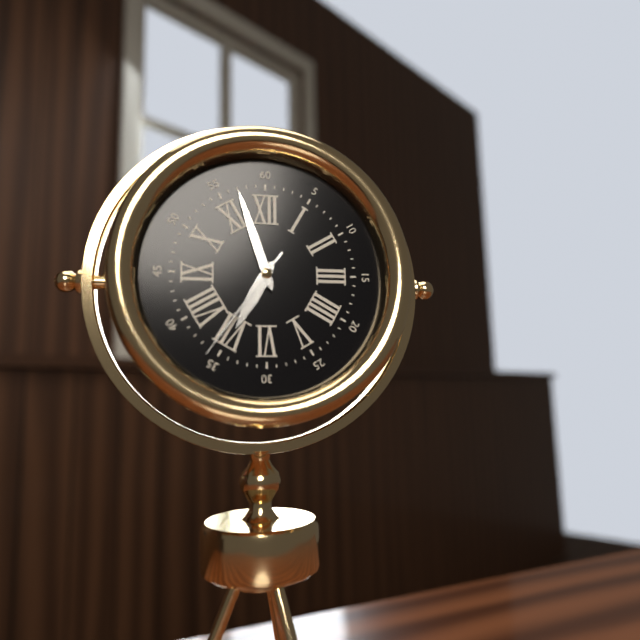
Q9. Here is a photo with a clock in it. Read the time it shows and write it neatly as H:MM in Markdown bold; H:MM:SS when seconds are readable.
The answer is **6:57:36**
